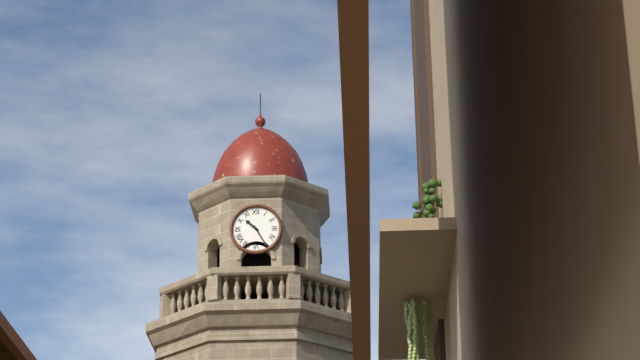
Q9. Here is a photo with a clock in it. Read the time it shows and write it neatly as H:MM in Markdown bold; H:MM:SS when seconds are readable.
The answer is **10:25**
